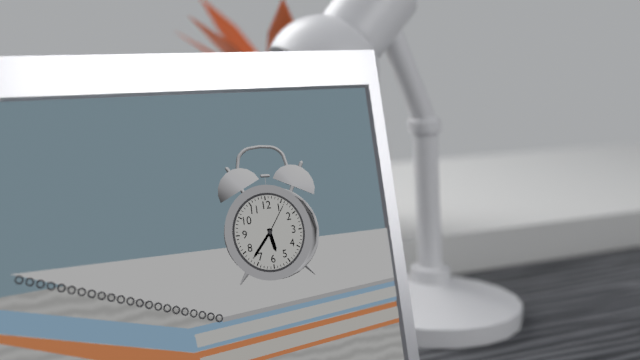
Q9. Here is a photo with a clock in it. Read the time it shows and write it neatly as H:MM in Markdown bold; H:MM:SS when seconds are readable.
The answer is **5:37**
